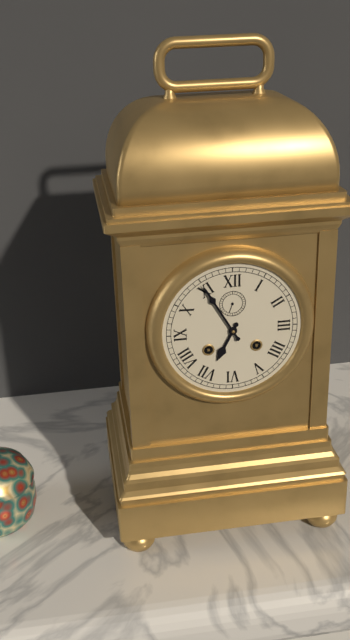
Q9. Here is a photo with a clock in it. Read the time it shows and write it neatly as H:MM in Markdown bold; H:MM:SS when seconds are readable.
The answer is **6:55**
